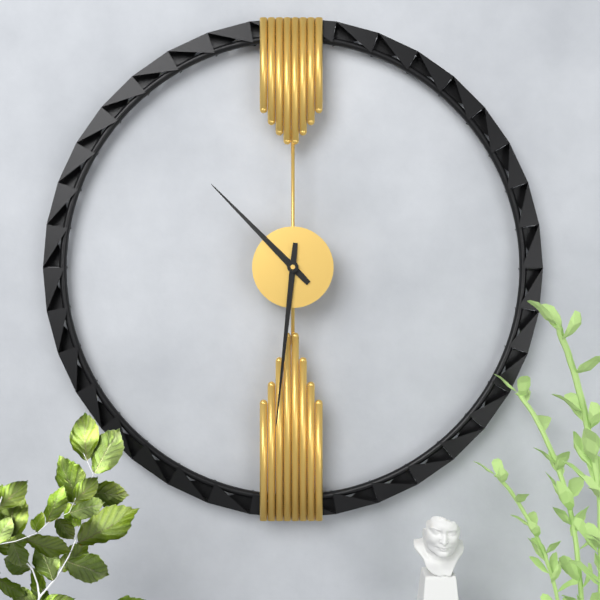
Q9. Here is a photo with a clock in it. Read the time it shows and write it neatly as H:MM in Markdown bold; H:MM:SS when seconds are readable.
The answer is **10:31**
